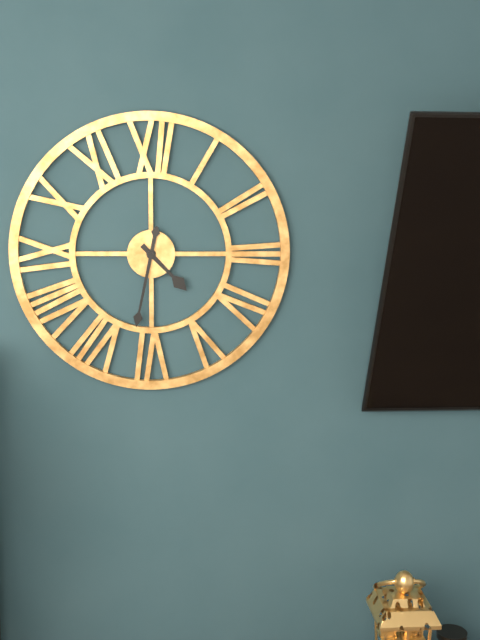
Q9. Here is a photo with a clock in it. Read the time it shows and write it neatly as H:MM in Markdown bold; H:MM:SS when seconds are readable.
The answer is **4:32**
